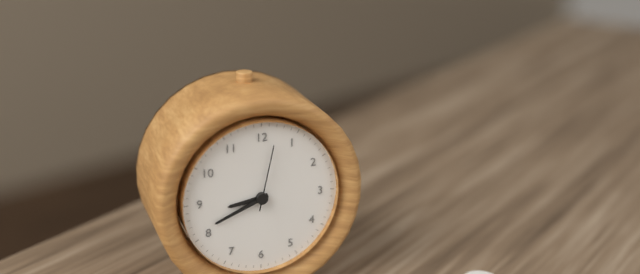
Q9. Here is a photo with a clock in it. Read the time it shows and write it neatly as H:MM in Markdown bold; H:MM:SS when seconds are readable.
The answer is **8:41:02**
